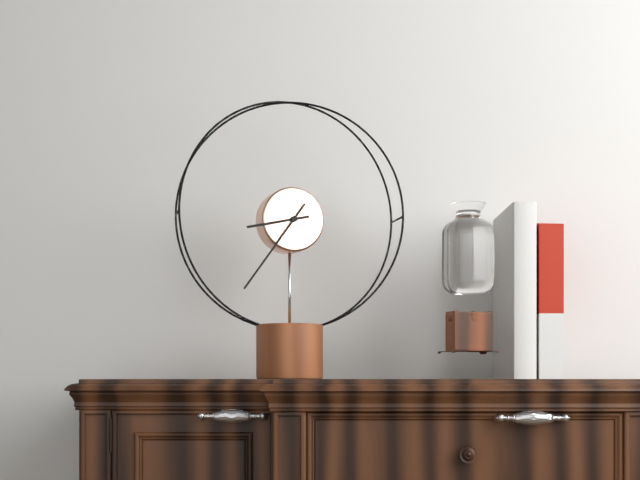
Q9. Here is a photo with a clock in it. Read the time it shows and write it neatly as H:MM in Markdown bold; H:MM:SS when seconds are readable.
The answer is **8:36**
